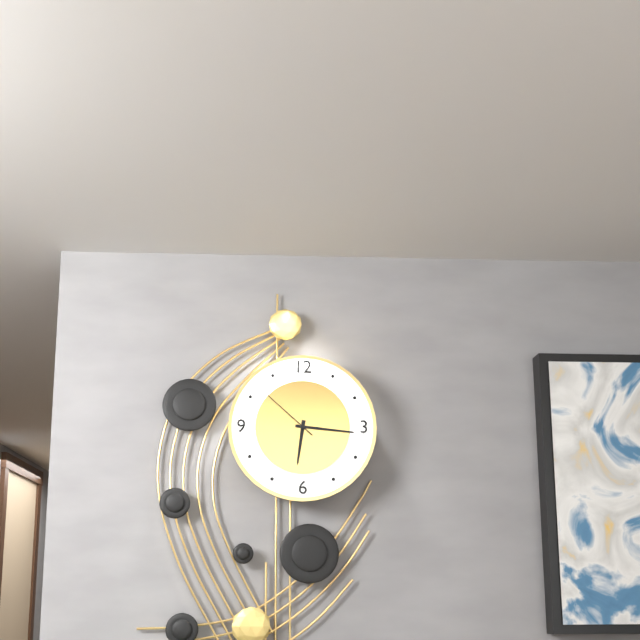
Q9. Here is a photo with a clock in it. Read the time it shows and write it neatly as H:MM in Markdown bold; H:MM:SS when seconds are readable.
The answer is **6:16:52**
